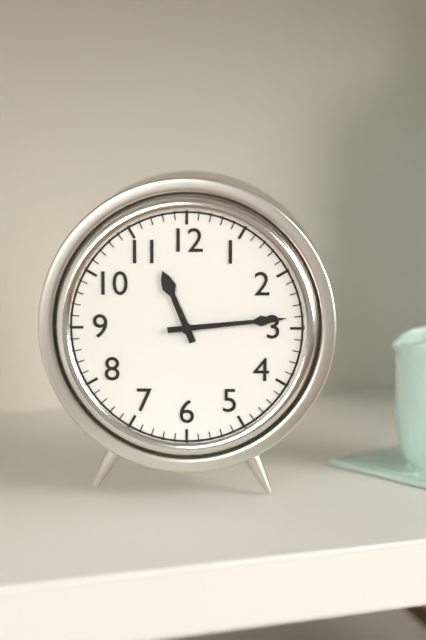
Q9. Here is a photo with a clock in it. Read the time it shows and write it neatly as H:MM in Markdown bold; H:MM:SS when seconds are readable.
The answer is **11:14**
